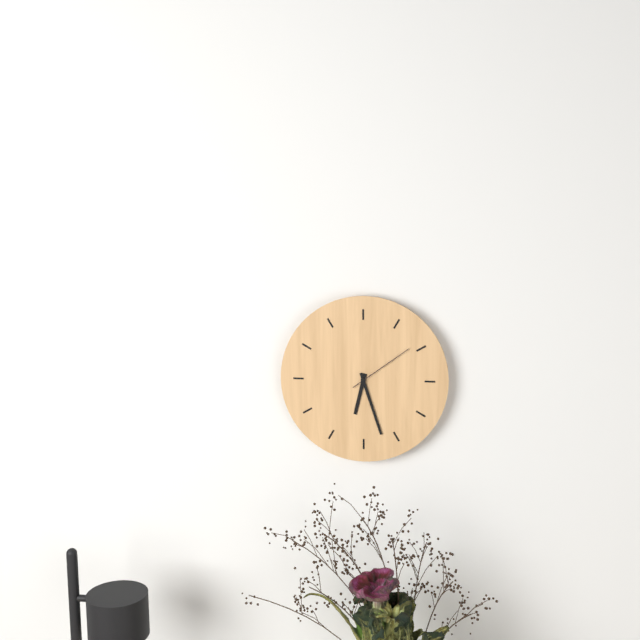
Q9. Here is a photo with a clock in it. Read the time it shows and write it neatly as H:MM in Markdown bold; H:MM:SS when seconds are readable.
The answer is **6:27:09**
